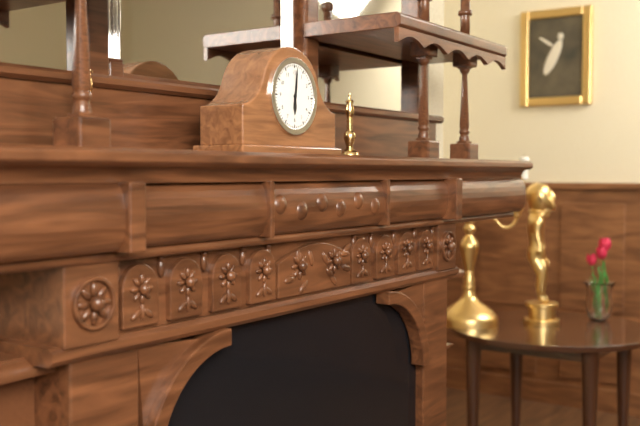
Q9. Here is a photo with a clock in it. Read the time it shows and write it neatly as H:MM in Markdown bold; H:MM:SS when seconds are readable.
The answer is **6:01**
